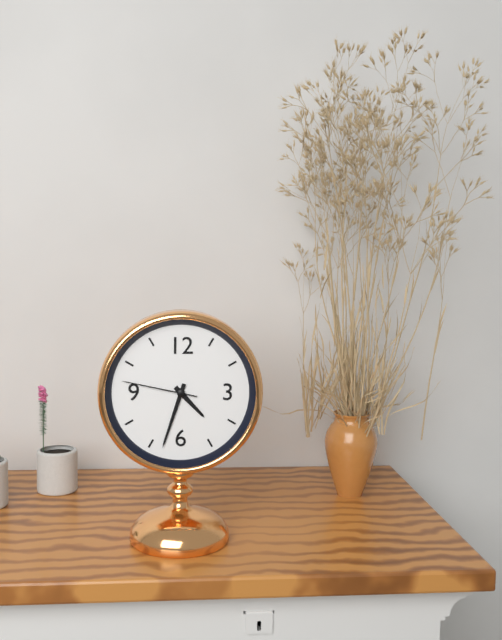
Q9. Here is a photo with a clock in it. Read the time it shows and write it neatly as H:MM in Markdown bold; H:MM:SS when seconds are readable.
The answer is **4:33:47**
